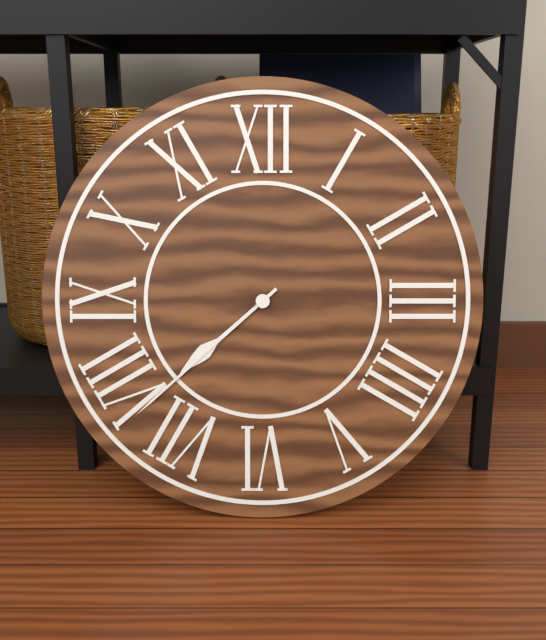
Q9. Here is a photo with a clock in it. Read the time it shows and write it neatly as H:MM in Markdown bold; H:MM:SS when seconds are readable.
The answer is **7:38**
